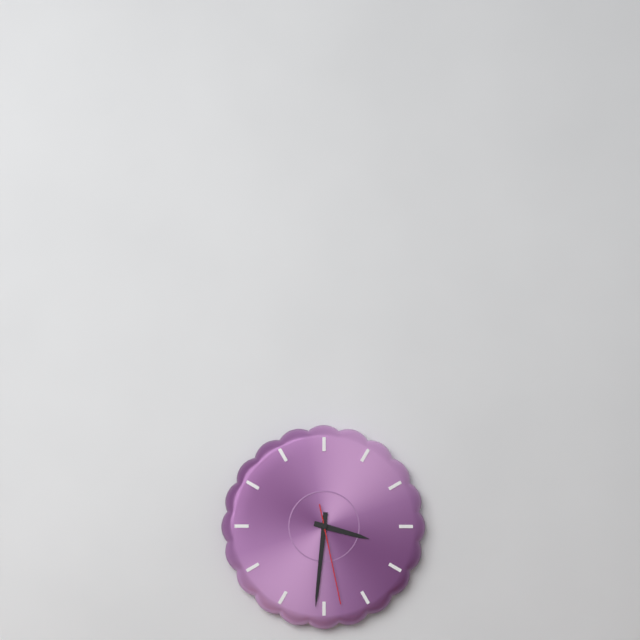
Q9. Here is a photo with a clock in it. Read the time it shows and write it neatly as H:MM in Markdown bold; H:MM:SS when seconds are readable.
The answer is **3:31:28**
